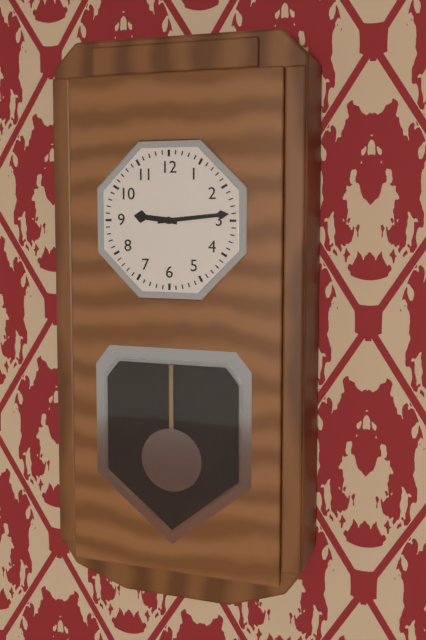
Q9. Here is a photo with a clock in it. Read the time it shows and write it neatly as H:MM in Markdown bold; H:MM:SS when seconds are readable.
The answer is **9:14**
